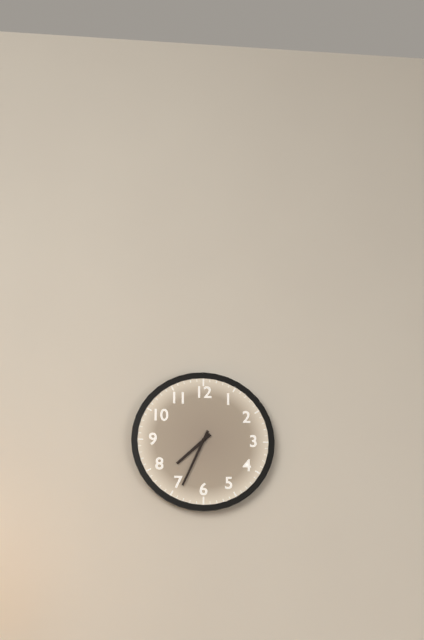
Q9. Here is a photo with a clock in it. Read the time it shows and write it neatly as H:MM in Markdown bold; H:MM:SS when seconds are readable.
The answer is **7:34**
